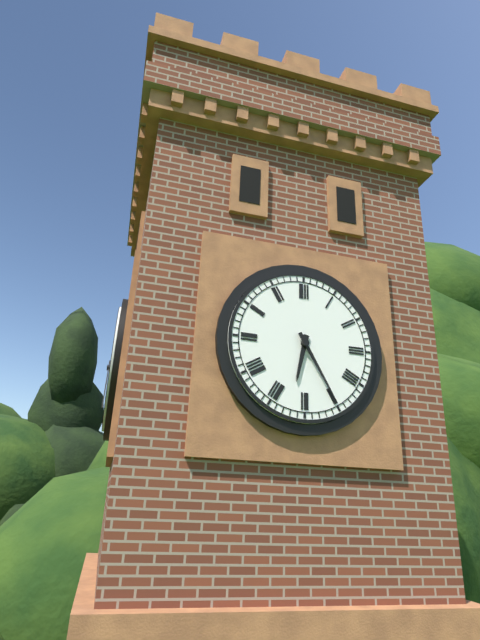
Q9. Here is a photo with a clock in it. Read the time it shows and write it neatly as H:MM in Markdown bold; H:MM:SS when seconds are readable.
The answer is **6:25**
